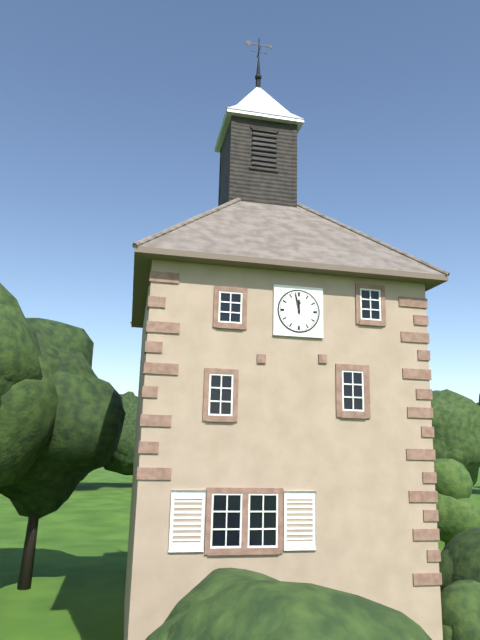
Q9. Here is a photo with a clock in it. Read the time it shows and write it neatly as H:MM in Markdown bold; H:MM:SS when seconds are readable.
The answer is **11:58**
